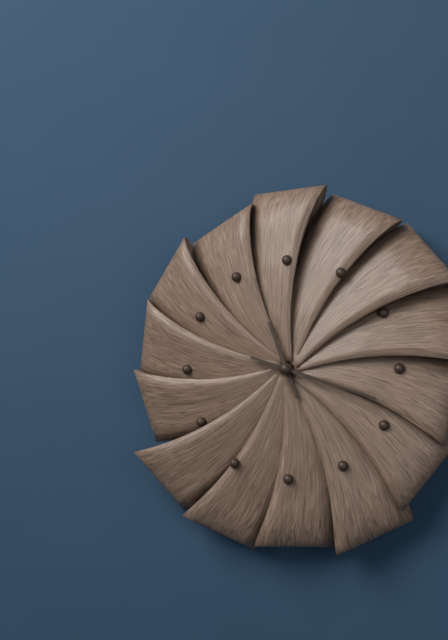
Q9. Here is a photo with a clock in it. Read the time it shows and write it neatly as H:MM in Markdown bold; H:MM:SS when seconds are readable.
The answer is **11:18**
